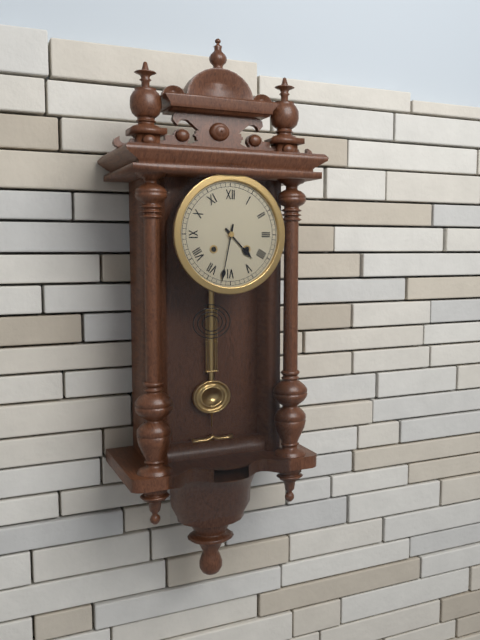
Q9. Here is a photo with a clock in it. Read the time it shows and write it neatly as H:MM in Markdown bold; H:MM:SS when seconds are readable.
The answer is **4:32**
